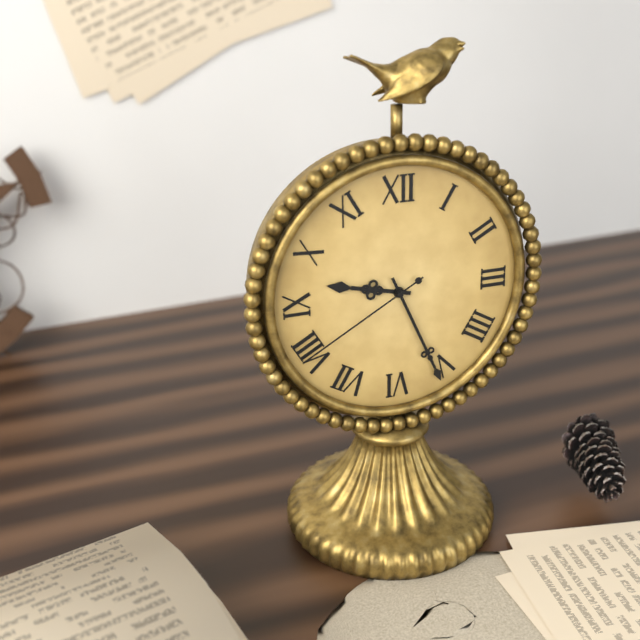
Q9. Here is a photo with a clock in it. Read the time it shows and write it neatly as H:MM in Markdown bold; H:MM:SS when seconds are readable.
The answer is **9:26:40**
